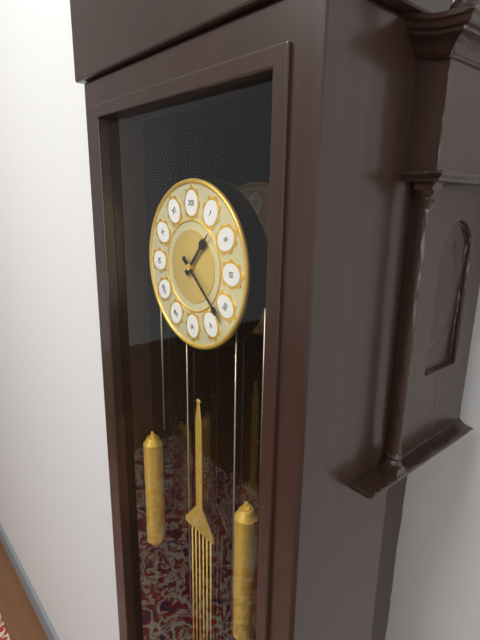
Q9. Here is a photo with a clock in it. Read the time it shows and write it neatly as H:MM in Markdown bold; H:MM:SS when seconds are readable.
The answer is **1:22**
